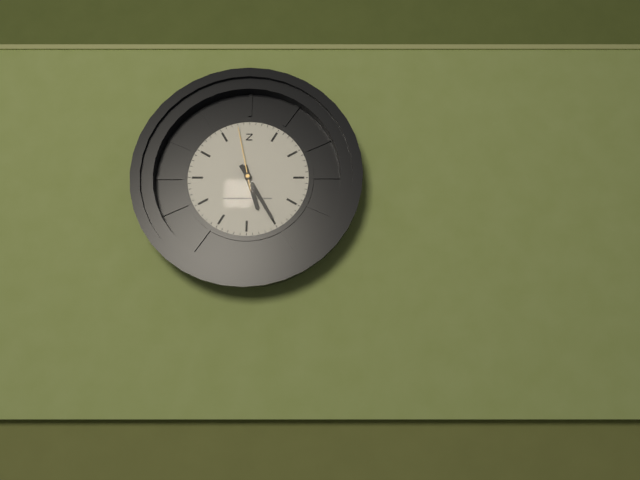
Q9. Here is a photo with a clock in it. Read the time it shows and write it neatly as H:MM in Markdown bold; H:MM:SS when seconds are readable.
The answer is **5:25:58**
